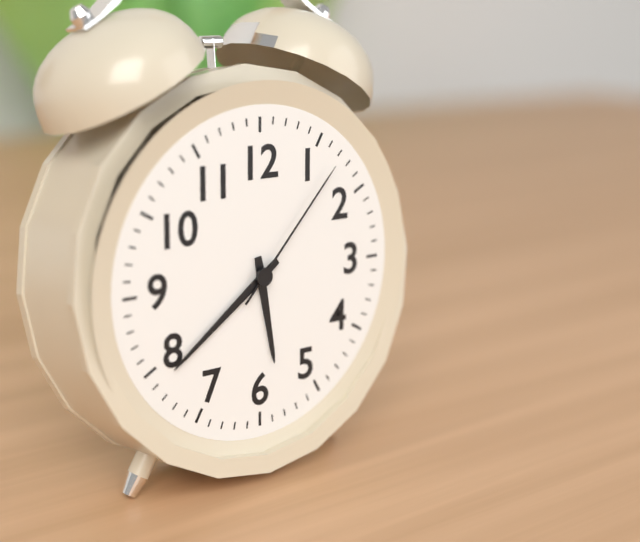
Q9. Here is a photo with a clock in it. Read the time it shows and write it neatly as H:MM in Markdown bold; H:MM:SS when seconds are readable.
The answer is **5:39:07**
